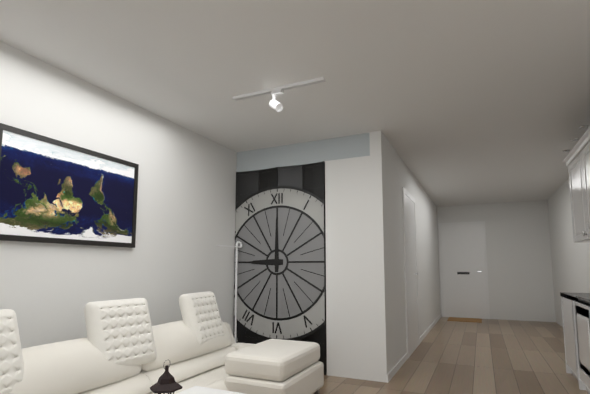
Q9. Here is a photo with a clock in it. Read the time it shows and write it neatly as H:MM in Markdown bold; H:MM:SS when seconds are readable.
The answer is **9:00**
